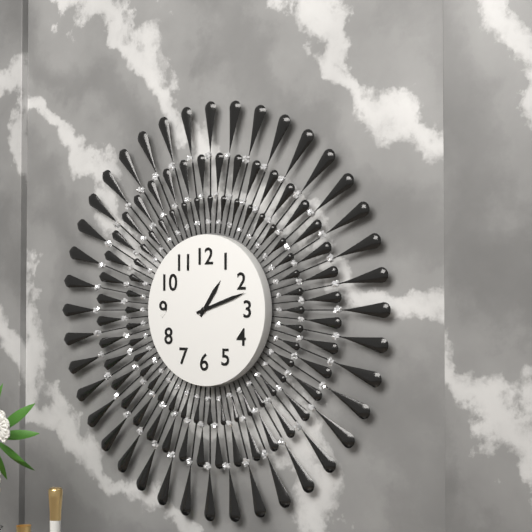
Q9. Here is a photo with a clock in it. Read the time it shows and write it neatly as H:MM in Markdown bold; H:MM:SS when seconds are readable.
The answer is **1:12**
